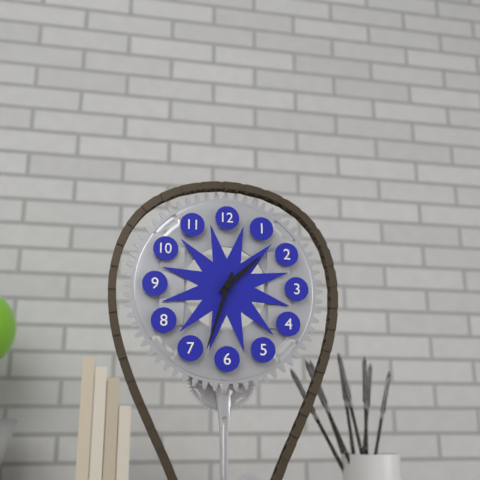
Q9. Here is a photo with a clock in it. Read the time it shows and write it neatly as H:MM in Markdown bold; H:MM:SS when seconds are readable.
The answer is **1:33**
